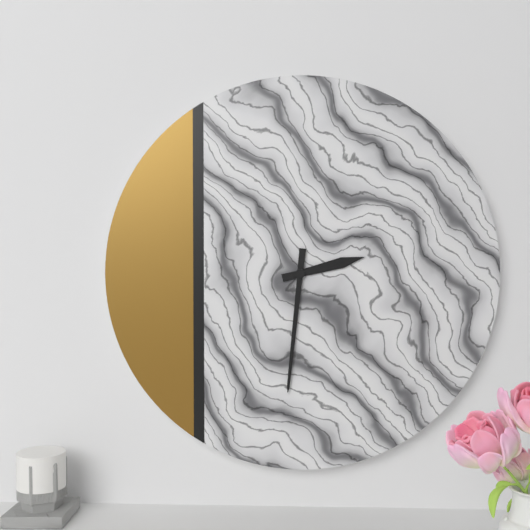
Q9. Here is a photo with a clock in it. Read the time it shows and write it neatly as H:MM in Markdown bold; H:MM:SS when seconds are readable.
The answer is **2:31**
